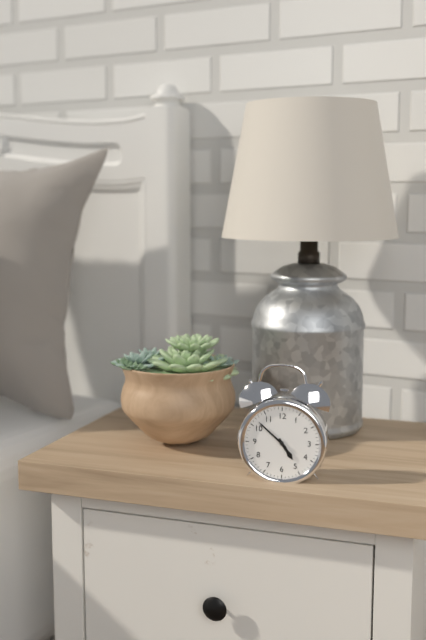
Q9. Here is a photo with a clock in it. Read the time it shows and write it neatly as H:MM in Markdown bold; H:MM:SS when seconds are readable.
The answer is **4:52**
